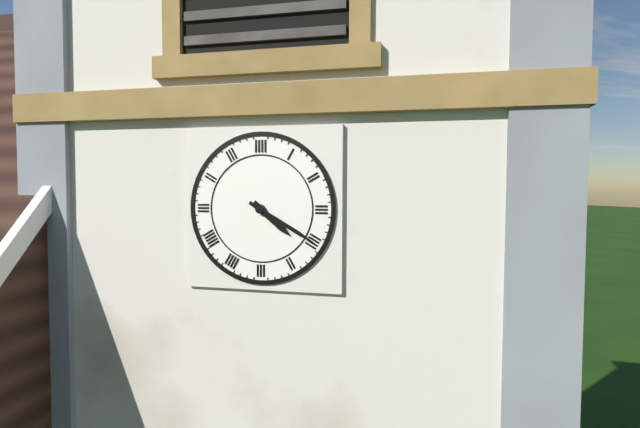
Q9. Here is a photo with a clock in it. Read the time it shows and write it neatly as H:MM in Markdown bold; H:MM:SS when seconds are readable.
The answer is **4:20**
